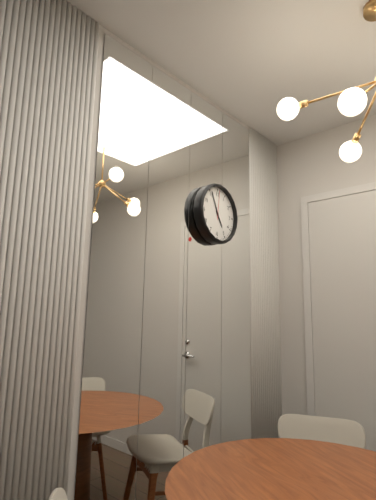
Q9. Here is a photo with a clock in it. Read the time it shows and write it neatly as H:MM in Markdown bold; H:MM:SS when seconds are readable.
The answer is **4:56**
